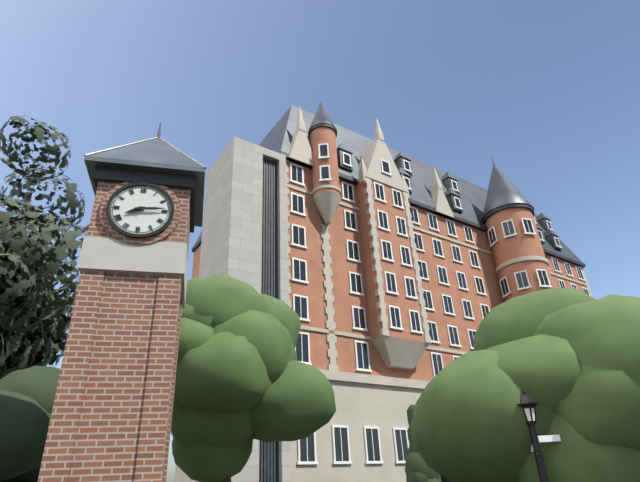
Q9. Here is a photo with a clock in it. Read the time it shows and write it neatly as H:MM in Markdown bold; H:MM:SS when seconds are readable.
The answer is **8:14**
